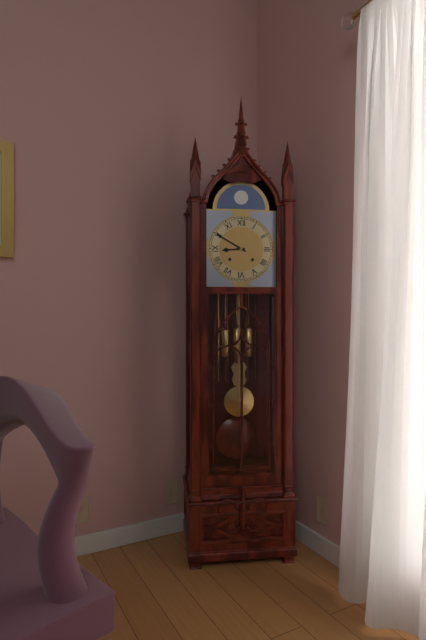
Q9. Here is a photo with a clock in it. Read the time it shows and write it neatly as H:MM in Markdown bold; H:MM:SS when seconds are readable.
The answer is **8:50**
